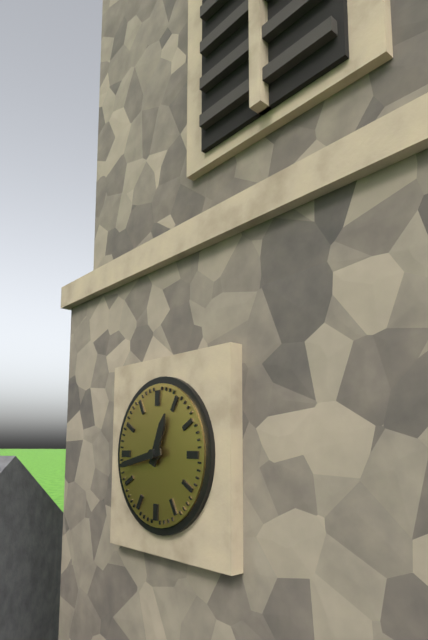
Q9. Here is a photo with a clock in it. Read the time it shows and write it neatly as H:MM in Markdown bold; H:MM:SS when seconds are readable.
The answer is **12:43**
